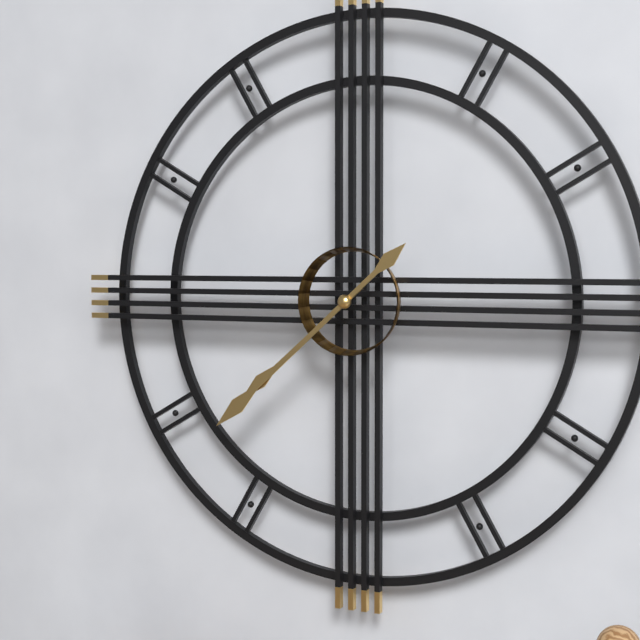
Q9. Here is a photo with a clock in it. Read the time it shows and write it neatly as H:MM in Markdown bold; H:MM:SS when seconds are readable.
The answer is **7:38**
